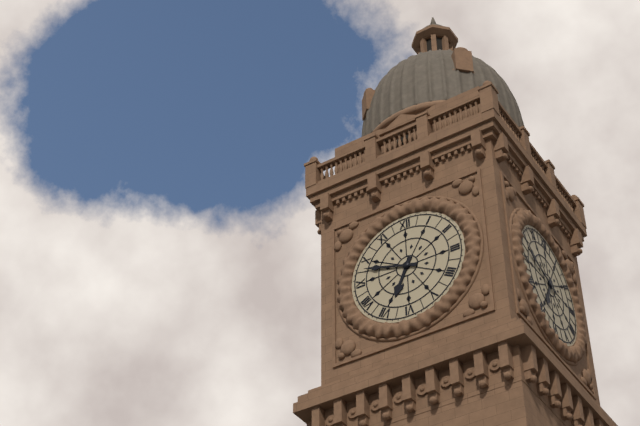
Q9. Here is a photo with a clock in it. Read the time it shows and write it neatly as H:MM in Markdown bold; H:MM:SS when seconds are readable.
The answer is **6:48**
